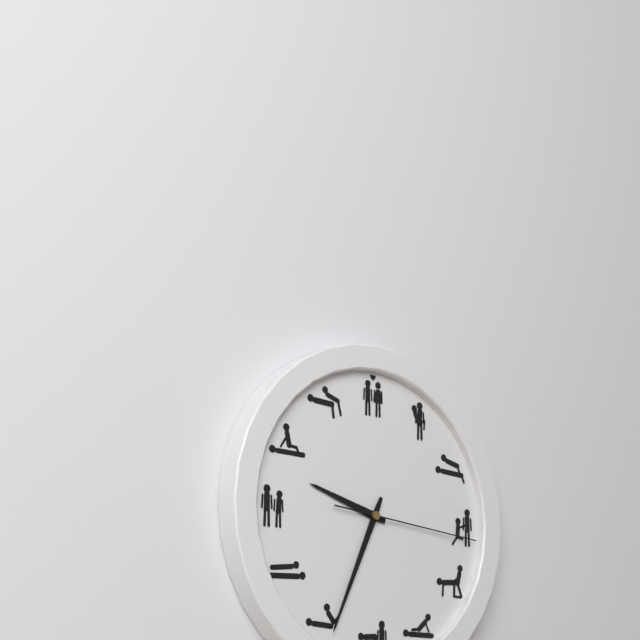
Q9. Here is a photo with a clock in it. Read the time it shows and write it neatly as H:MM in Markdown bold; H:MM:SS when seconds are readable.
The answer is **9:34:16**
